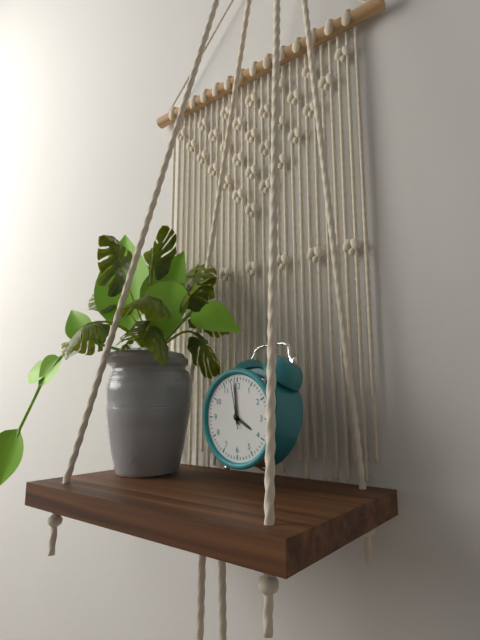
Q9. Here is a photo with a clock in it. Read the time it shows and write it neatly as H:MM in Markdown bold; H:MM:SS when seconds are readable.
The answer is **3:59**
